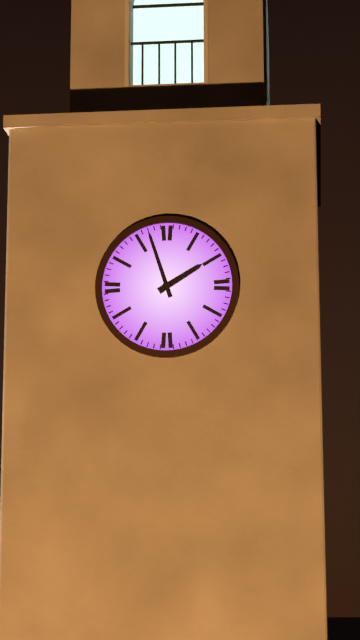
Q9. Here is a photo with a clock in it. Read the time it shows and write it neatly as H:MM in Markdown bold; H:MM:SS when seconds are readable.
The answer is **1:57**
